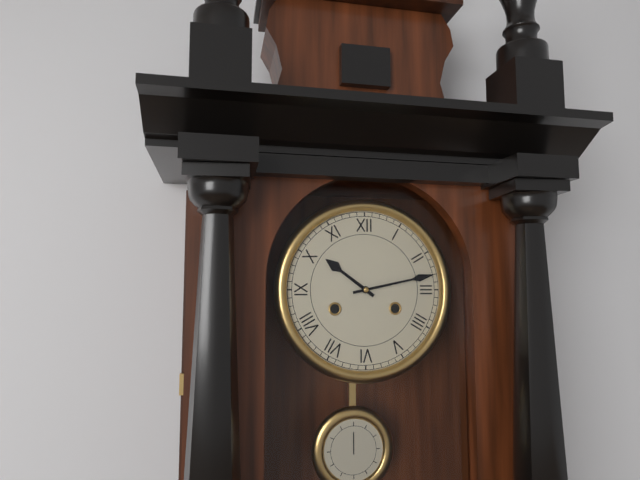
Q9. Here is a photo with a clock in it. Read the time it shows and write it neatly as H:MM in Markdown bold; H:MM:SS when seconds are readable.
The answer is **10:13**
